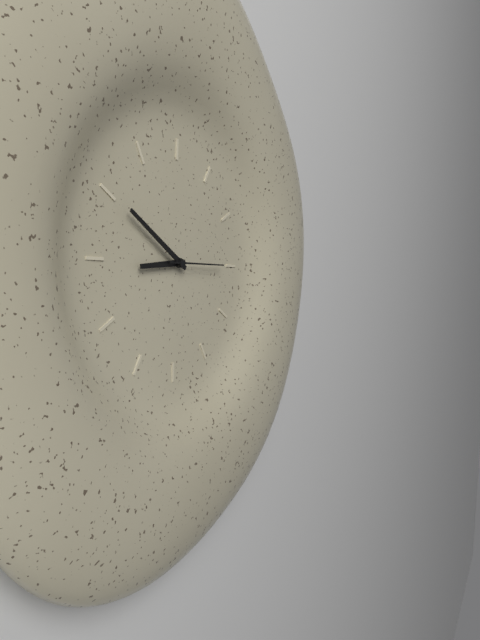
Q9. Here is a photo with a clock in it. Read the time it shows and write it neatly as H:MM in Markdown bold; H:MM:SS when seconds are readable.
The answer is **8:50:15**
